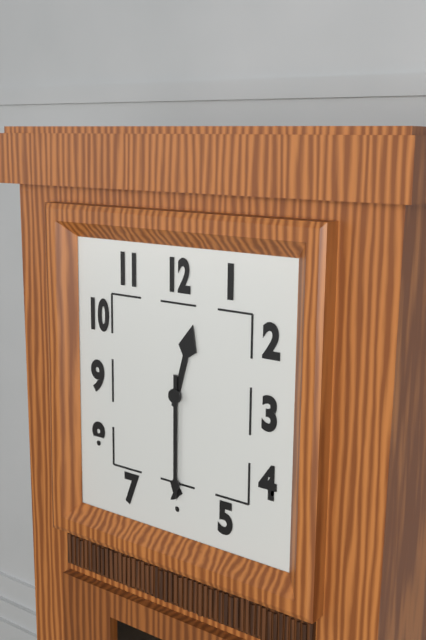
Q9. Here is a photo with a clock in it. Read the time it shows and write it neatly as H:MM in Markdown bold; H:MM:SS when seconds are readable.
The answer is **12:30**
